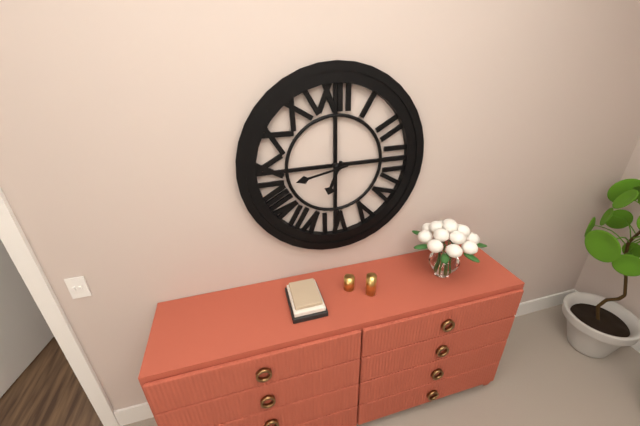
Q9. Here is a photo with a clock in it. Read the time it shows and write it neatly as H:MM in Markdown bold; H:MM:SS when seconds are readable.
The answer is **6:43**
